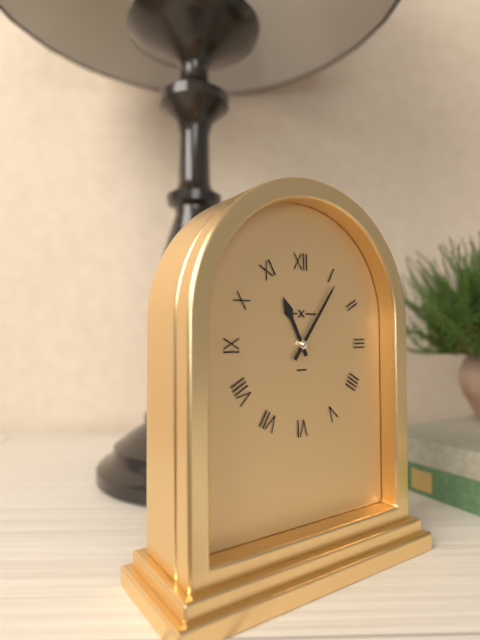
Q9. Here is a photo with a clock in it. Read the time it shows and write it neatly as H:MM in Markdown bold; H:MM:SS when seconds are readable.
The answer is **11:06**
